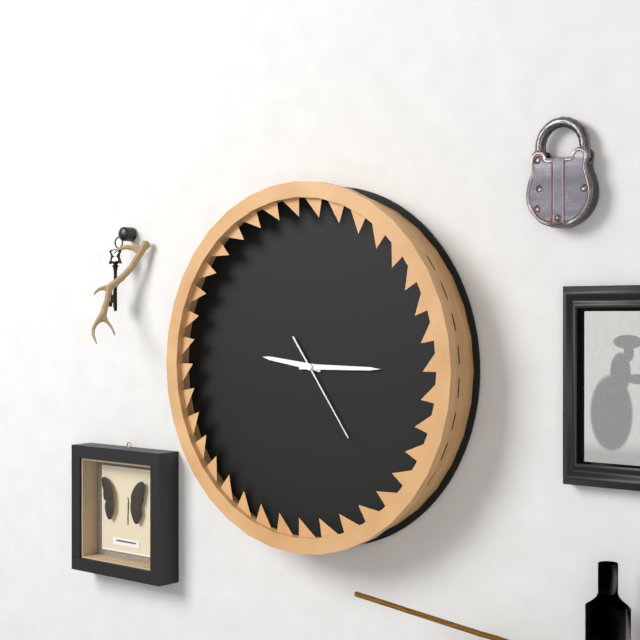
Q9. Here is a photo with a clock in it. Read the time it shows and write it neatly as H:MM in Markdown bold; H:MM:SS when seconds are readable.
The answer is **9:15:24**
